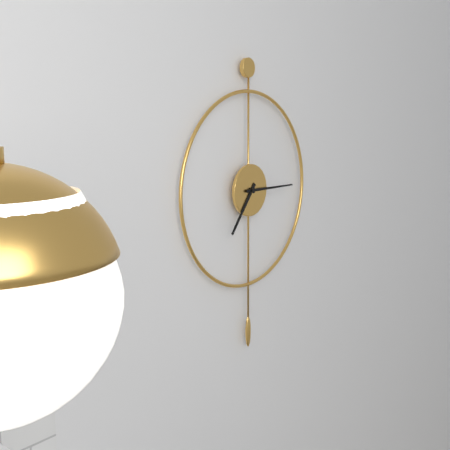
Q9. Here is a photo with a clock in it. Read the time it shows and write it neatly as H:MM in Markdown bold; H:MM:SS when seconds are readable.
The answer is **7:15**
